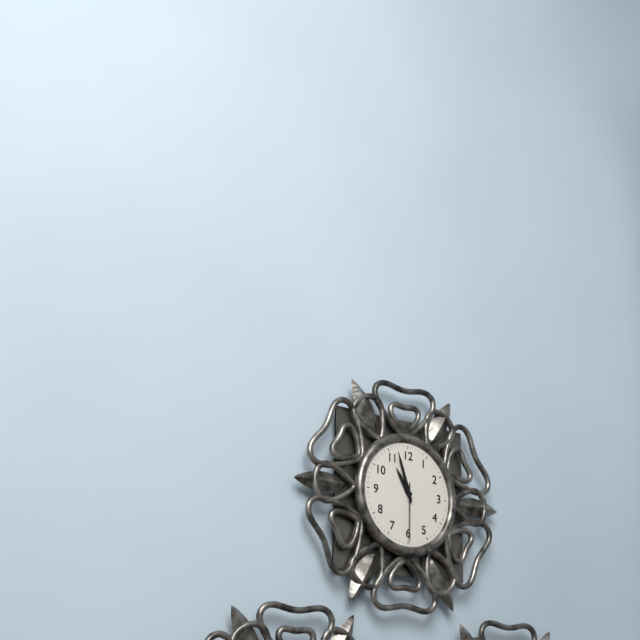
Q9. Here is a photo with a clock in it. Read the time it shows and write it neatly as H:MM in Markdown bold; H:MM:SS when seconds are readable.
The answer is **10:57:30**
